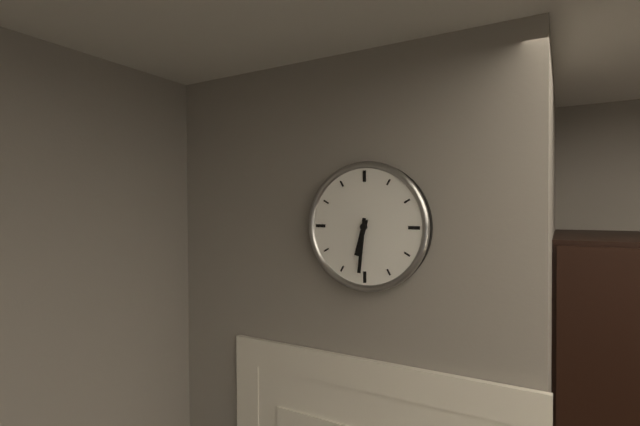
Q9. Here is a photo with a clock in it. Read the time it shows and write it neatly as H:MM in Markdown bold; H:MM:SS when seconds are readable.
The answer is **6:31**
